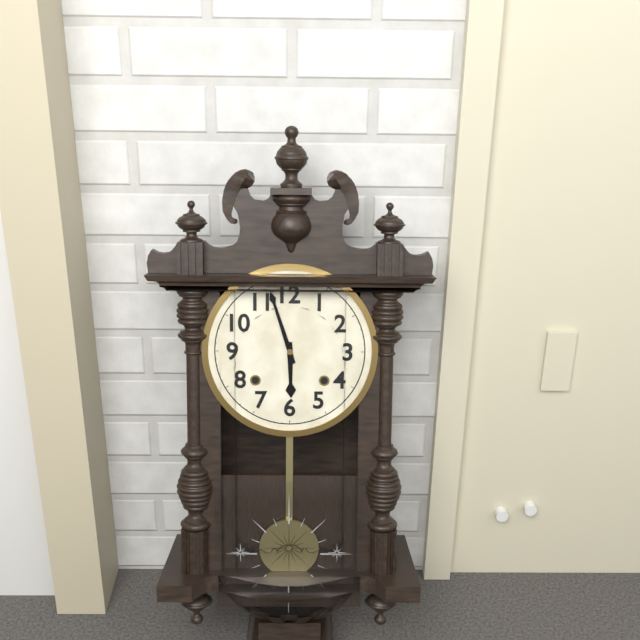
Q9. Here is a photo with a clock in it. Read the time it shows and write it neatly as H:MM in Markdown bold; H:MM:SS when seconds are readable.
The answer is **5:57**
